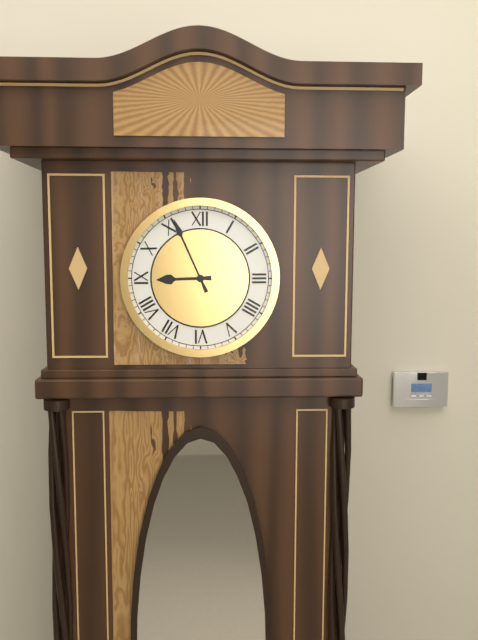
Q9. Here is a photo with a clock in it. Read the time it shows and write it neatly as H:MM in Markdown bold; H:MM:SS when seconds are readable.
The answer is **8:56**
